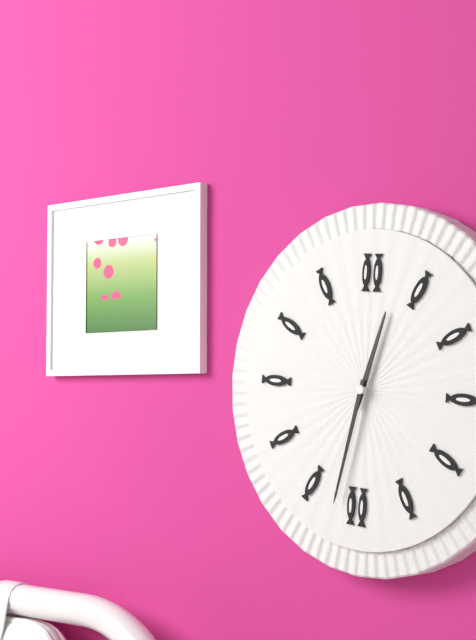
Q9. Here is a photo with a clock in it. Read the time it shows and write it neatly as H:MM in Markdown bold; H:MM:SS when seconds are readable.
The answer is **12:32**
